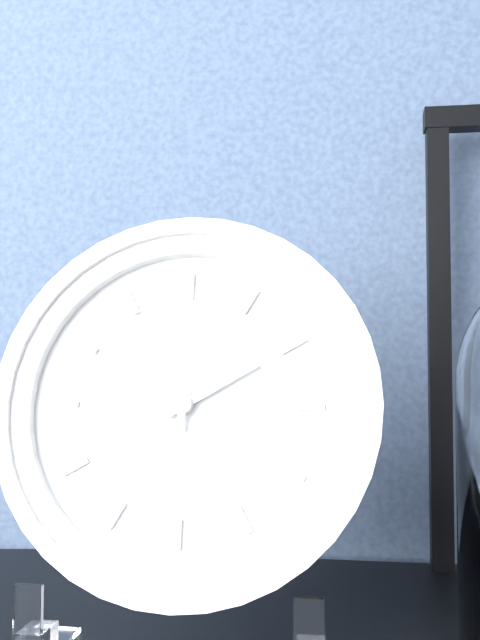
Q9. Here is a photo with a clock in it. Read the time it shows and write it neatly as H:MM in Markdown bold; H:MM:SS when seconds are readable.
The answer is **2:01**
